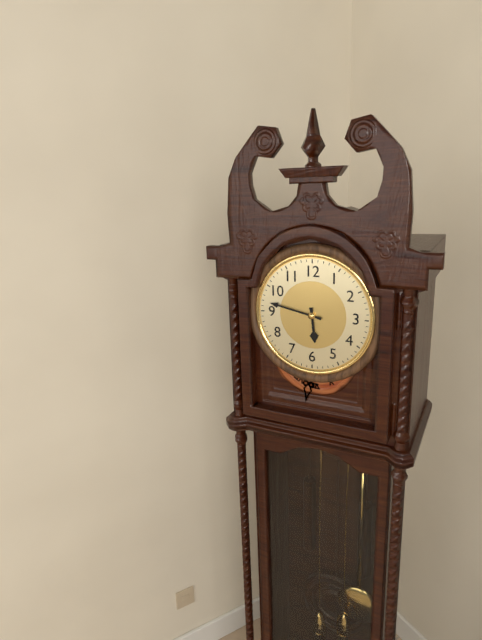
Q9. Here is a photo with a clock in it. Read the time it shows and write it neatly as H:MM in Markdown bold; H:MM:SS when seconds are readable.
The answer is **5:47**
